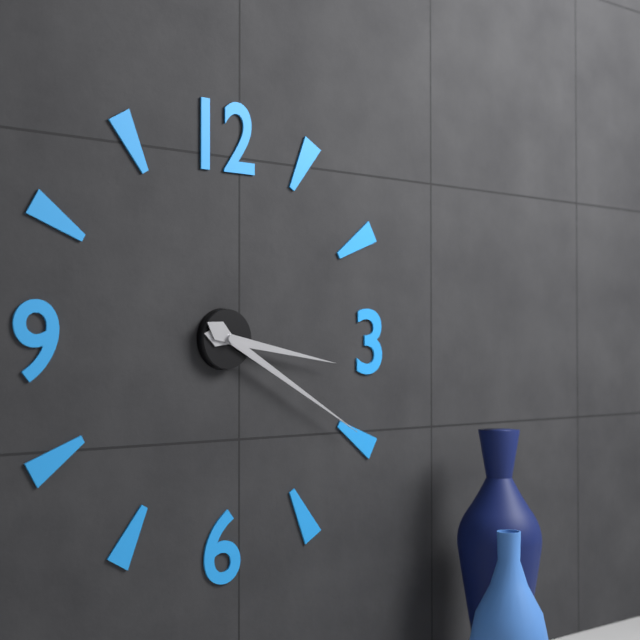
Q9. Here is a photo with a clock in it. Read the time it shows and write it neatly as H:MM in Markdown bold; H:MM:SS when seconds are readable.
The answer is **3:20**
